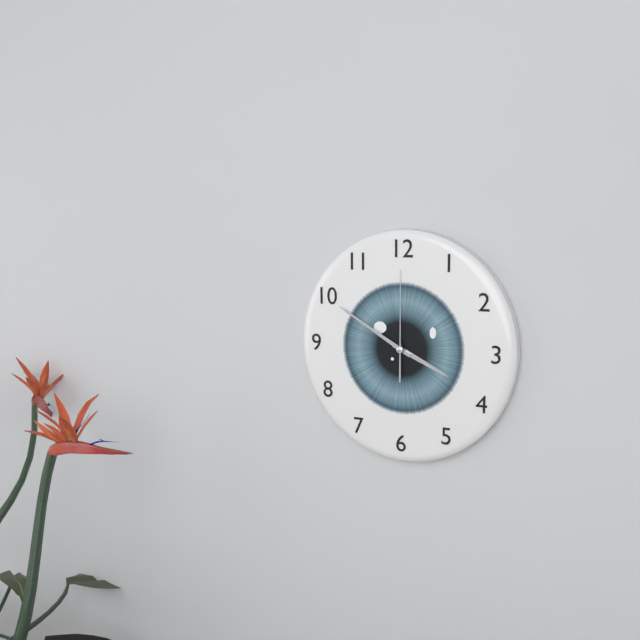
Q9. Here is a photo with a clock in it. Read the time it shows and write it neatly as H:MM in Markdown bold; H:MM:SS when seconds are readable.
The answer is **3:50:00**
